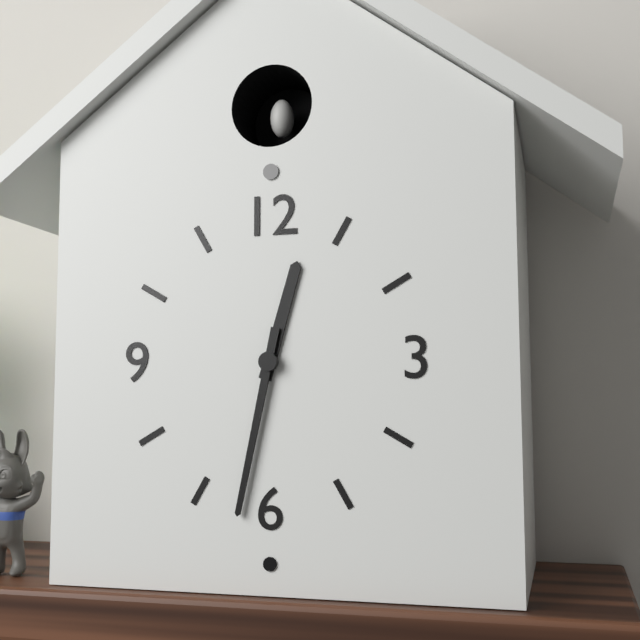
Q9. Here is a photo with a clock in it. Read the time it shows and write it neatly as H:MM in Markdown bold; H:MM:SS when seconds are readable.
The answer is **12:32**
